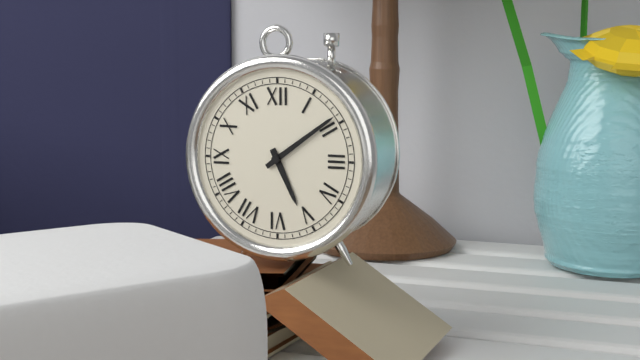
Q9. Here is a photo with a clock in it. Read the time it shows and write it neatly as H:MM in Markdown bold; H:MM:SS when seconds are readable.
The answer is **5:09**
